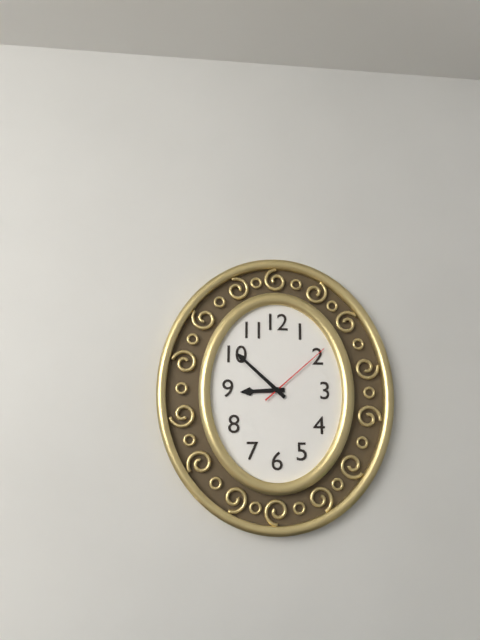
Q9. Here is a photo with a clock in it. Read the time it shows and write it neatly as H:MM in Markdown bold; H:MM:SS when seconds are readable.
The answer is **8:52:08**
